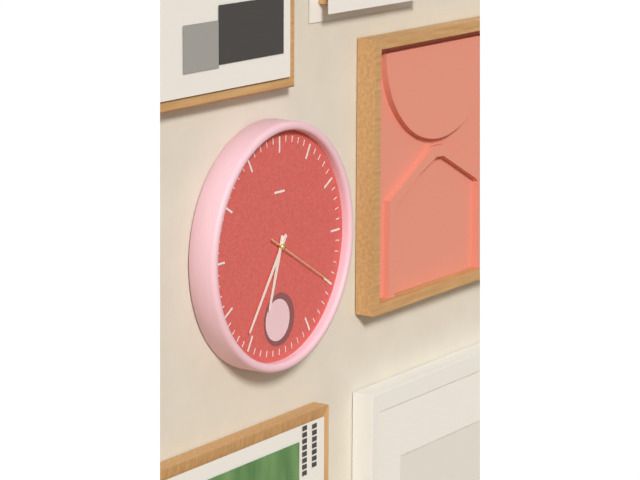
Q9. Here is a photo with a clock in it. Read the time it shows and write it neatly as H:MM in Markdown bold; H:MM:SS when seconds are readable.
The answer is **6:36:20**
